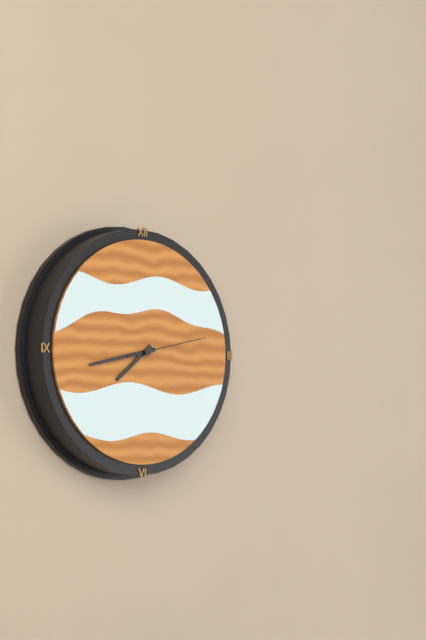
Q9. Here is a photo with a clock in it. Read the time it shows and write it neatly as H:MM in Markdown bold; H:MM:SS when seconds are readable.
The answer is **7:43:13**
